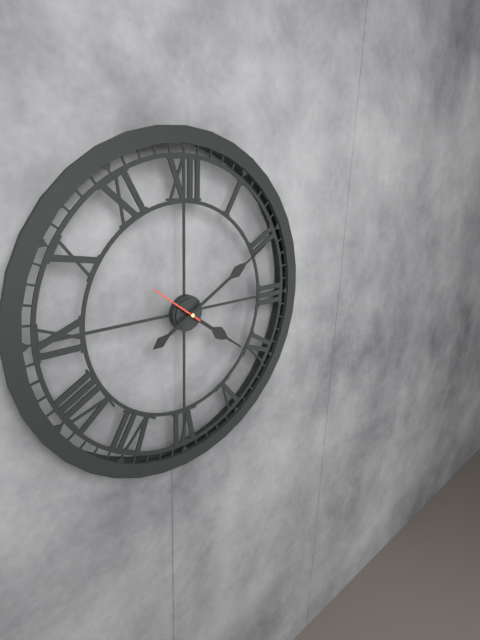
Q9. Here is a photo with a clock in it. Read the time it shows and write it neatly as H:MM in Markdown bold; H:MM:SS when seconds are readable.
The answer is **4:10**
